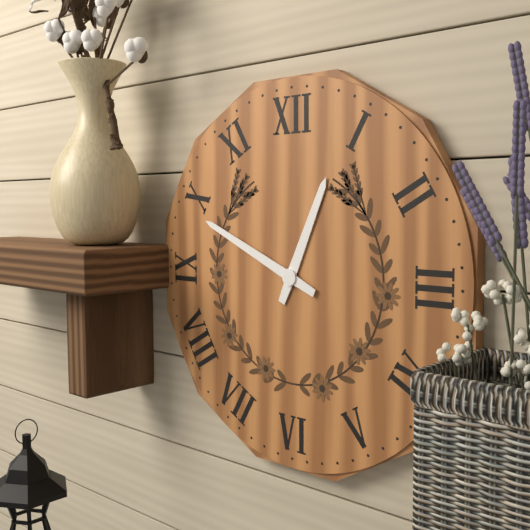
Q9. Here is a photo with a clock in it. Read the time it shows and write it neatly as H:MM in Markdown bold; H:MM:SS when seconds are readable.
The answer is **12:49**
